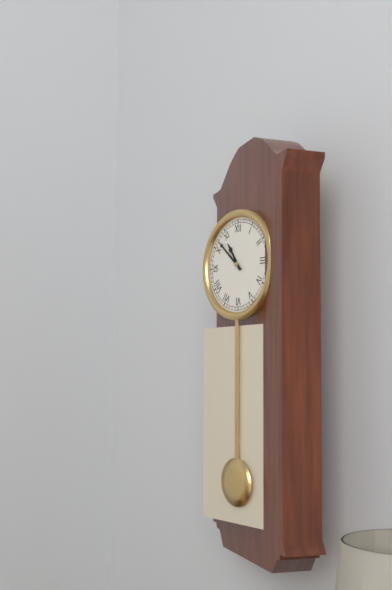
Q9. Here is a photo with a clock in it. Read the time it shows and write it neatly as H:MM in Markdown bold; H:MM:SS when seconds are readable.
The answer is **10:52**
